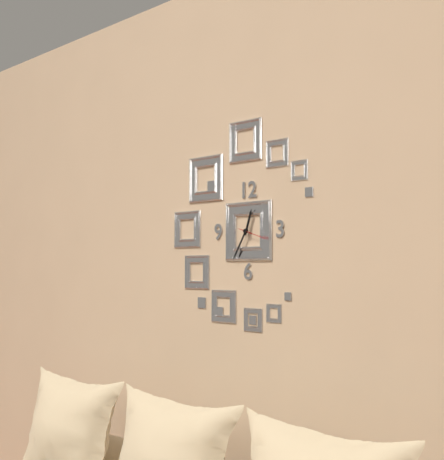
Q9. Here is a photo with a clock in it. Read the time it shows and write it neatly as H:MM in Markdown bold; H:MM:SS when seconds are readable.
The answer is **12:35**
